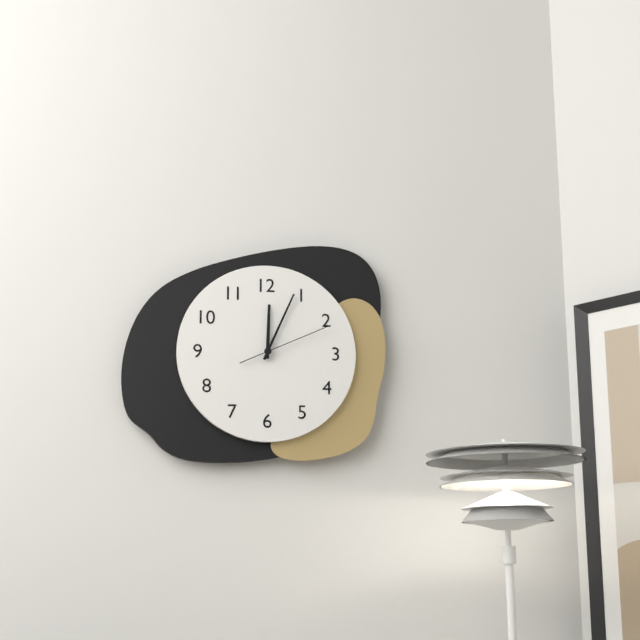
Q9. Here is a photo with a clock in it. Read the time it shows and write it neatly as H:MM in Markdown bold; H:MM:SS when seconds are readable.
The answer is **12:04:11**
